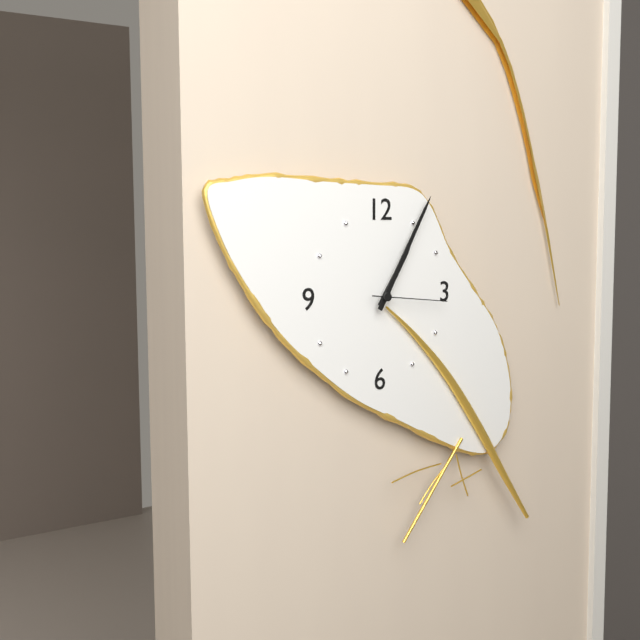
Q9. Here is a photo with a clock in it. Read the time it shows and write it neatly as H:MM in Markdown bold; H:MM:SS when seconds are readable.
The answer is **1:05:16**
